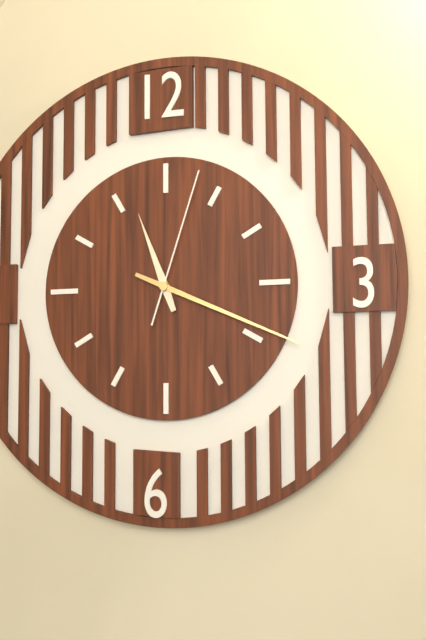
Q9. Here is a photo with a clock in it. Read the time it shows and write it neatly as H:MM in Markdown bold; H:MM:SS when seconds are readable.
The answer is **11:19:03**
